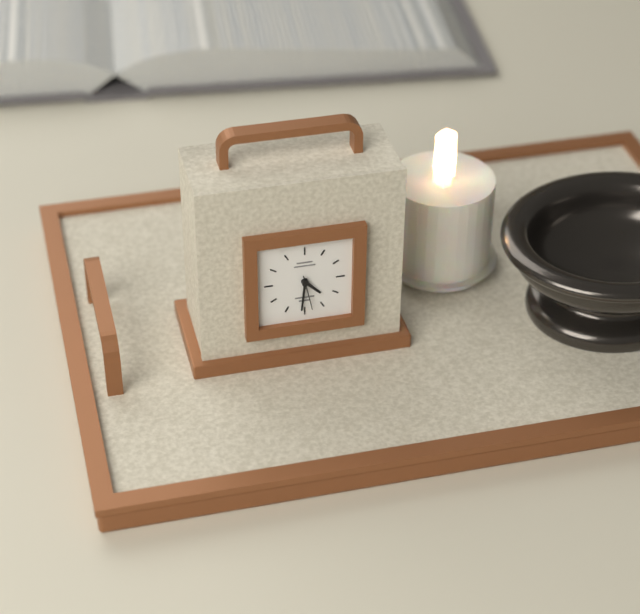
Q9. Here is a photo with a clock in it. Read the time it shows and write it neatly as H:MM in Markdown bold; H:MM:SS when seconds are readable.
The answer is **4:31**
